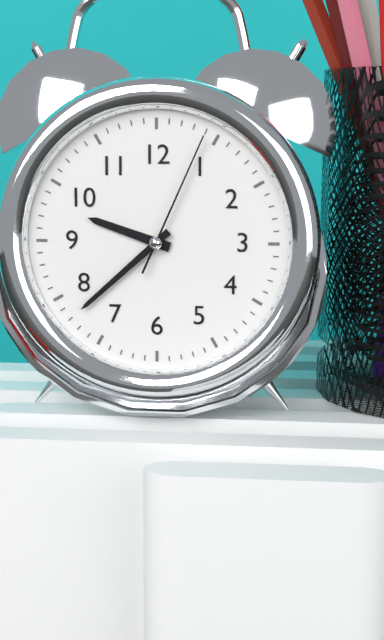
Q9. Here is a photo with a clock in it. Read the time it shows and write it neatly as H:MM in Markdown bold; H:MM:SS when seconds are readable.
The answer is **9:38:04**
